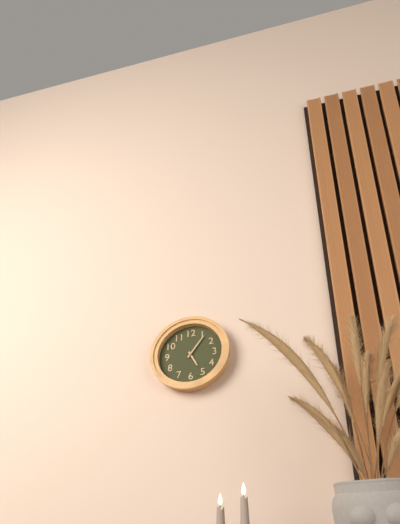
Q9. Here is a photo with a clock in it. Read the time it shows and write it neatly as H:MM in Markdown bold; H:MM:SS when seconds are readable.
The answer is **5:06**
